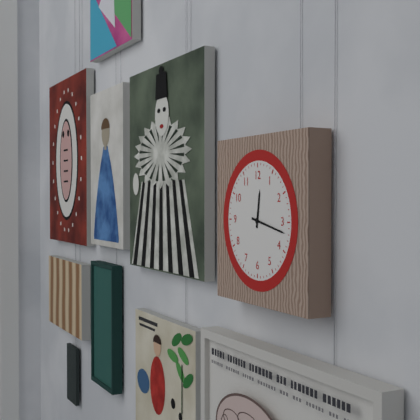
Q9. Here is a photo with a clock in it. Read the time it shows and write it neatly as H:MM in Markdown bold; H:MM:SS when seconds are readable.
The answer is **12:17**
